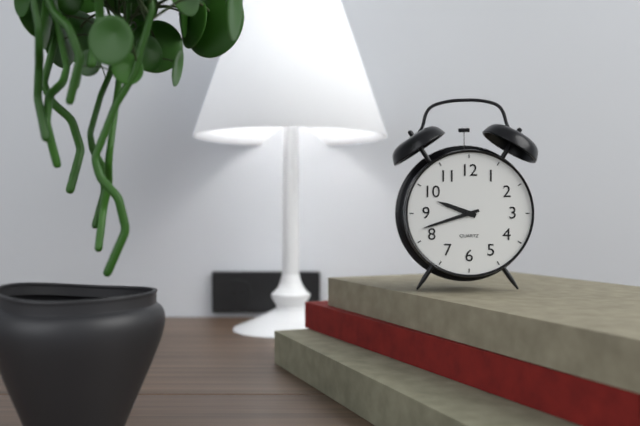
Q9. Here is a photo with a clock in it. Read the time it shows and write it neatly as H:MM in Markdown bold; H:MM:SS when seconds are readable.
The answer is **9:42**
